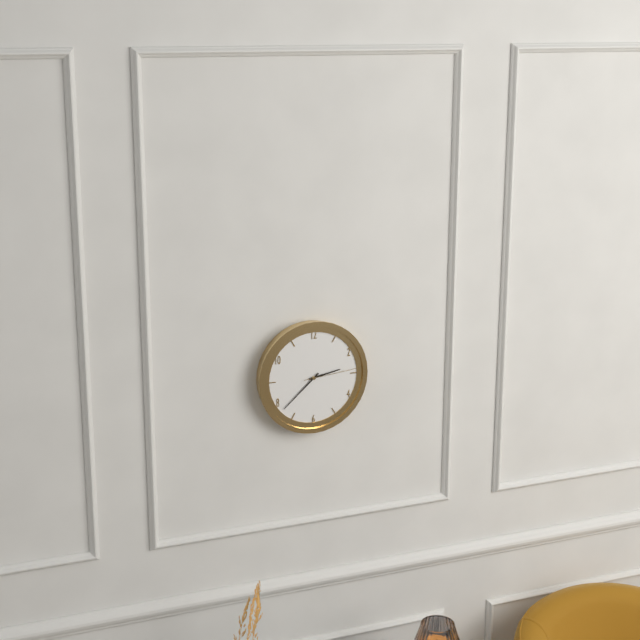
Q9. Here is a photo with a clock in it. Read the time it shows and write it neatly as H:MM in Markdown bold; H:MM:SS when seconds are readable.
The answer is **2:38:14**
